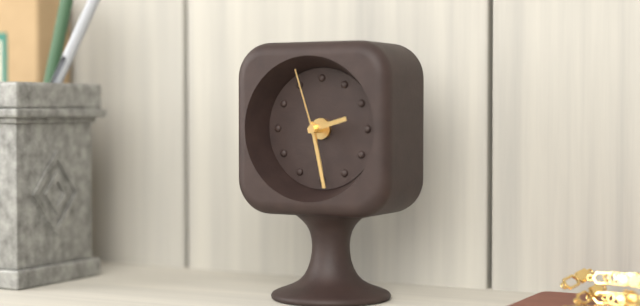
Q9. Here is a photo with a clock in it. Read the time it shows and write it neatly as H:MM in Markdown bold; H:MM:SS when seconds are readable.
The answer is **2:28:57**
